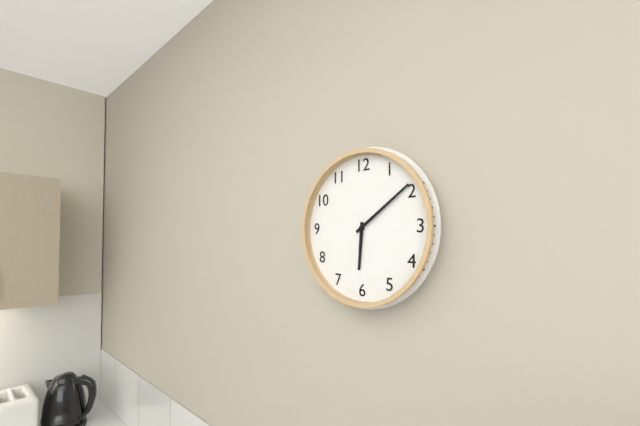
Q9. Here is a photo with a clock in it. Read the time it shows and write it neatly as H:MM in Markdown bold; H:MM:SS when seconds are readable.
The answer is **6:09**
